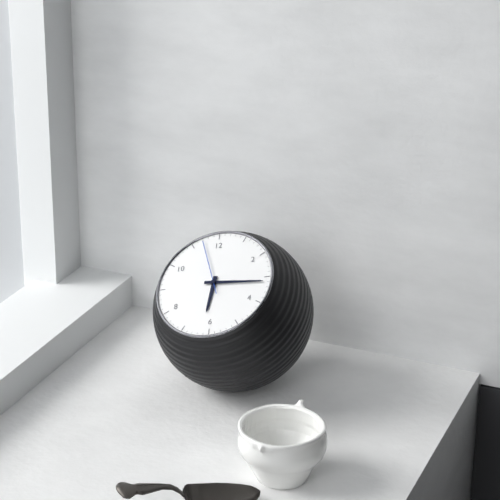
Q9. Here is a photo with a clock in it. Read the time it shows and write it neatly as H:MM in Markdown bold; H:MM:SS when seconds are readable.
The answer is **6:16:57**
